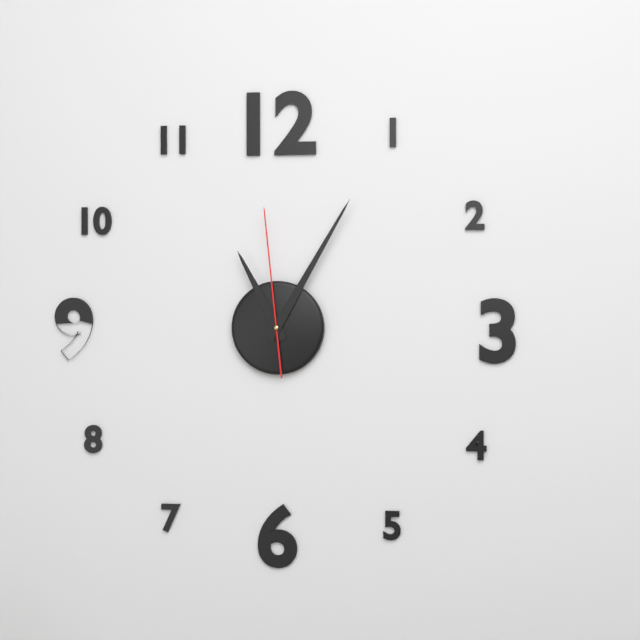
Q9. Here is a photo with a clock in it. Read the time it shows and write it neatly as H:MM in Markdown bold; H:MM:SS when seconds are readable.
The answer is **11:05:59**
